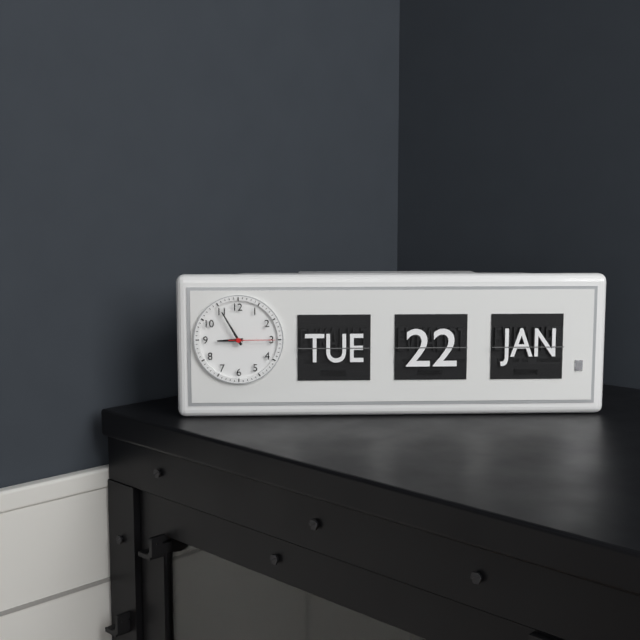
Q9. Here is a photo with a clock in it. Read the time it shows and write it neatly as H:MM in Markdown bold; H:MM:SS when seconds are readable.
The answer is **8:55**
